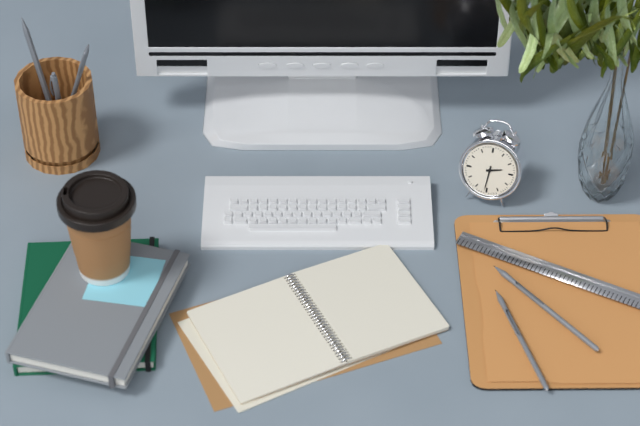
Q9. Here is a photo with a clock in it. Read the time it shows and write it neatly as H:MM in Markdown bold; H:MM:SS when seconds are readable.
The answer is **2:31**
